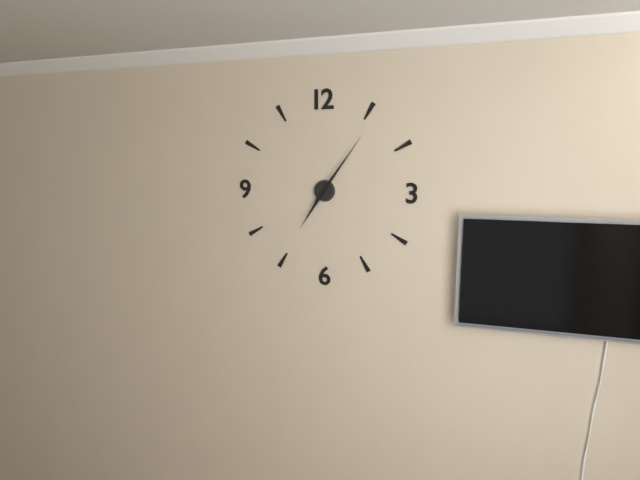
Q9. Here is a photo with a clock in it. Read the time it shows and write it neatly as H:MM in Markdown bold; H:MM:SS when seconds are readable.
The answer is **7:06**
